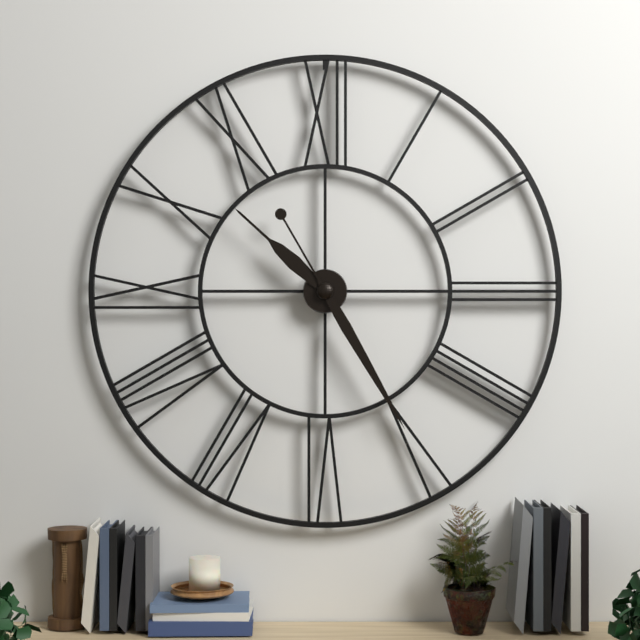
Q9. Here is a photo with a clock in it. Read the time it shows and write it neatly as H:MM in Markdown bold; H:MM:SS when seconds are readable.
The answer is **10:25**
